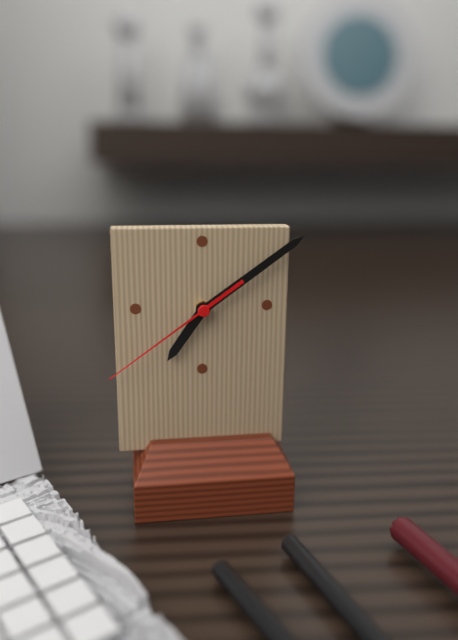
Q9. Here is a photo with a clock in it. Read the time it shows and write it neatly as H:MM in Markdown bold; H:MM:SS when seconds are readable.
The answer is **7:09:39**
